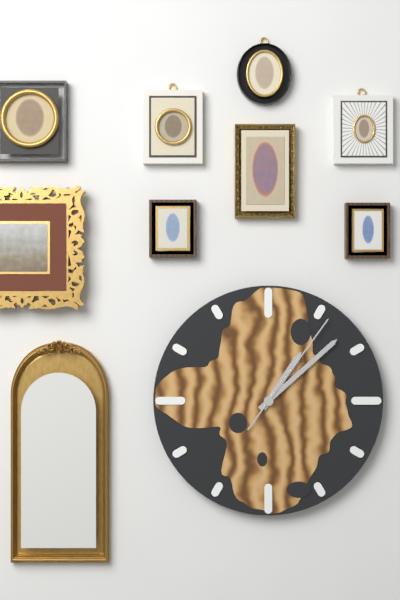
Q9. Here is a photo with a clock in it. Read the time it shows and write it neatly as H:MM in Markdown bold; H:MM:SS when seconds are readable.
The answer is **1:08:06**
